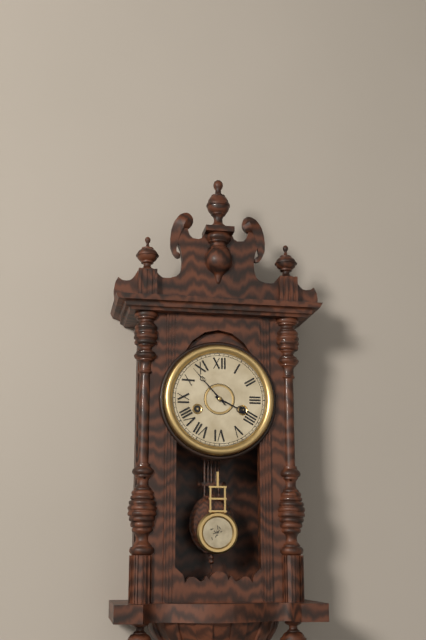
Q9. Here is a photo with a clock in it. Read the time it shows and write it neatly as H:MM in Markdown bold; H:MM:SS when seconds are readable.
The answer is **3:53**
